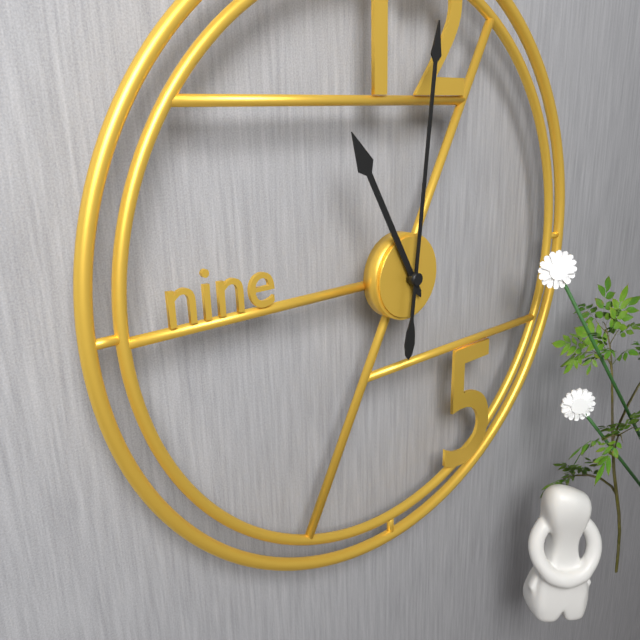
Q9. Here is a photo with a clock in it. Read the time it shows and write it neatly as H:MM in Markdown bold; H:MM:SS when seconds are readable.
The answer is **11:01**
